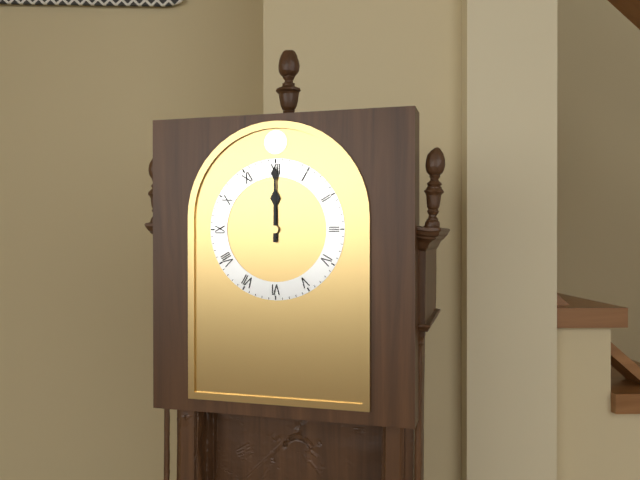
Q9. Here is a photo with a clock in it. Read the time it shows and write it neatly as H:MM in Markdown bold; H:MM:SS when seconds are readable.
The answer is **12:00**
